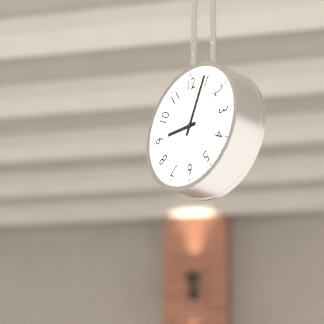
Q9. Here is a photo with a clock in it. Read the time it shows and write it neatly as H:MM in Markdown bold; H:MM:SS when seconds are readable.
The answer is **9:04**
